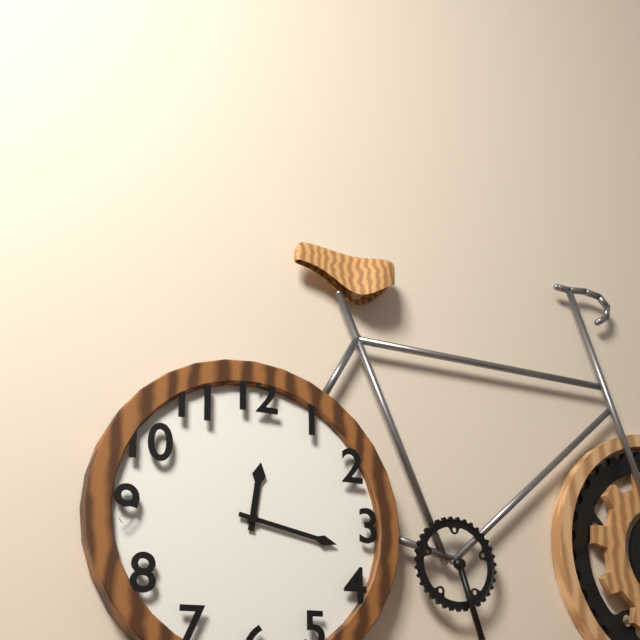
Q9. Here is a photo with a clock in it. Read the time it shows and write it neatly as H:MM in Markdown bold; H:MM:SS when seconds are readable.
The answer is **12:17**
